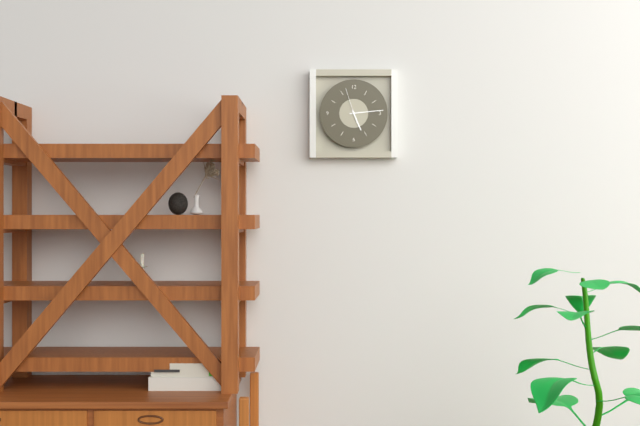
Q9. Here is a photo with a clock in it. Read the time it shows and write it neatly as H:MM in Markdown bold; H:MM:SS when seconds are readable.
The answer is **5:14**
